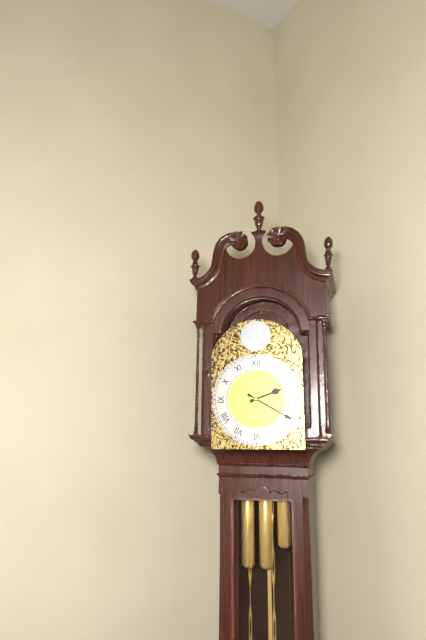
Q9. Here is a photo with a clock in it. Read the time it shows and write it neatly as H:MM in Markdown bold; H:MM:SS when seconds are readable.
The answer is **2:20**
